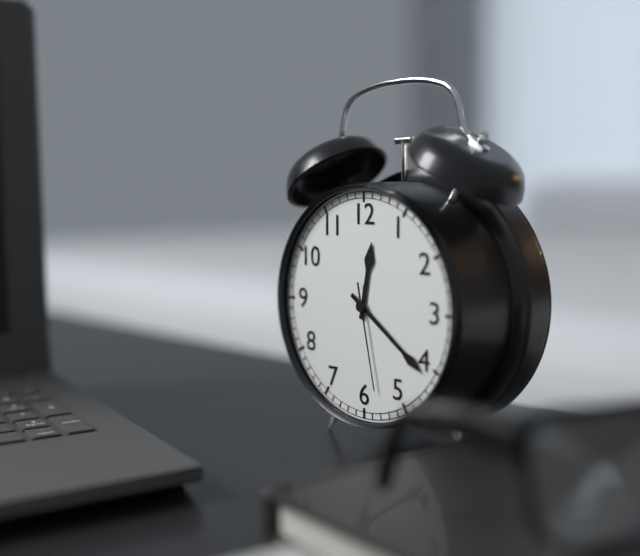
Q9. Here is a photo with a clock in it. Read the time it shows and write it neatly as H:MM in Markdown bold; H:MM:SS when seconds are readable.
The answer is **12:21:28**
